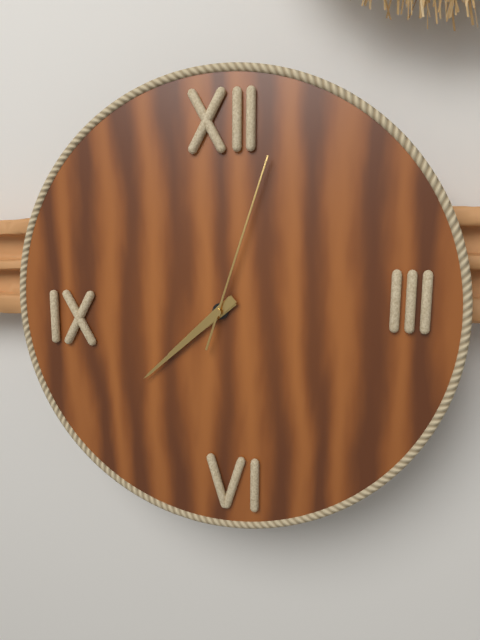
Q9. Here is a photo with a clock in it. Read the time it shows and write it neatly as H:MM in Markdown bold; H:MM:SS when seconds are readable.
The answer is **7:38:03**
